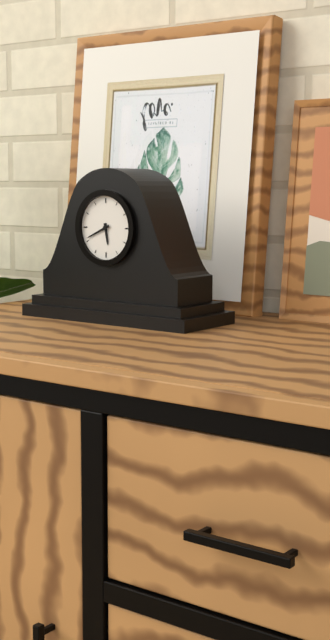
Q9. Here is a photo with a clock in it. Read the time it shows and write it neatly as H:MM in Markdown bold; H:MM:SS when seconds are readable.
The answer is **5:41**
